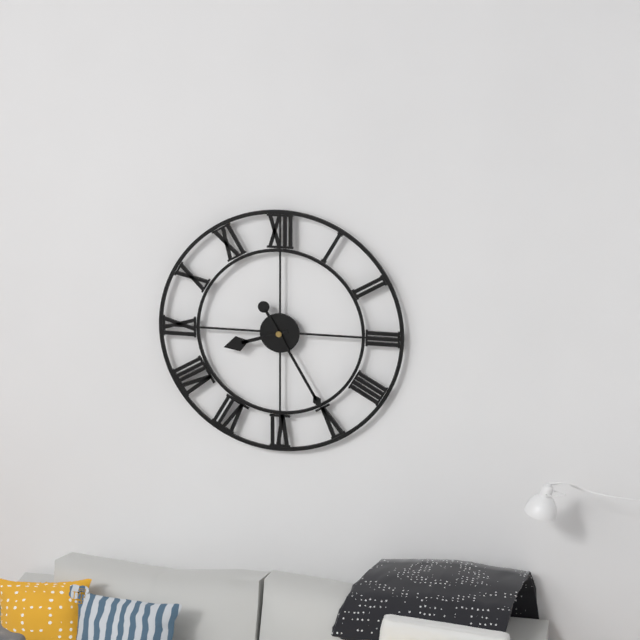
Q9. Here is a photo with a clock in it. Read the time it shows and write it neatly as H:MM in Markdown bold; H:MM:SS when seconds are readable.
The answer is **8:25**
